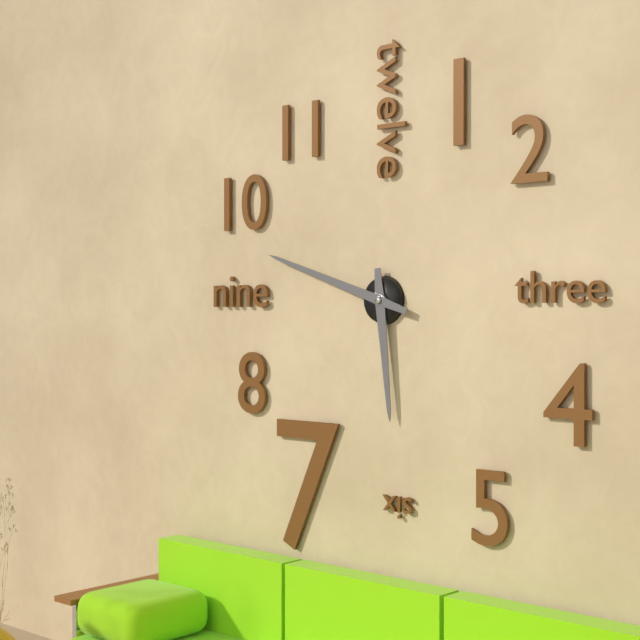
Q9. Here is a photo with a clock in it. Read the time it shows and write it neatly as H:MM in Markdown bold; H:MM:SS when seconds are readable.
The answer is **5:48**
